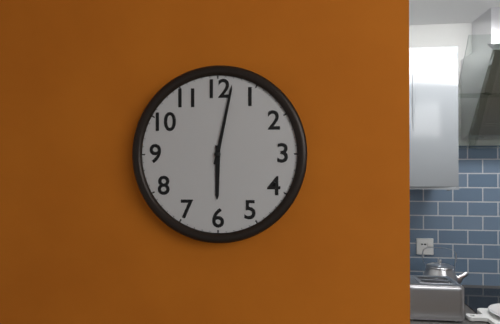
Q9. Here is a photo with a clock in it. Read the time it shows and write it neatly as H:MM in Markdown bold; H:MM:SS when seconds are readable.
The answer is **6:02**
